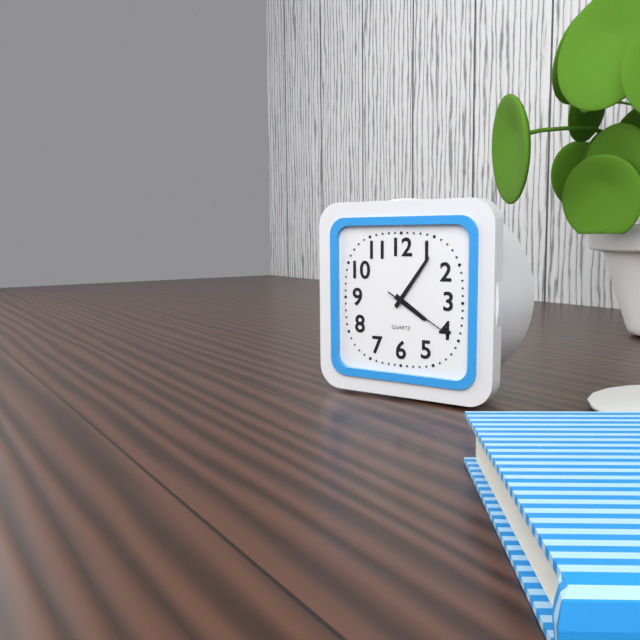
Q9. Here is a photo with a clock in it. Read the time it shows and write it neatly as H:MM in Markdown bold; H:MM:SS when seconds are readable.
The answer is **4:06:20**
